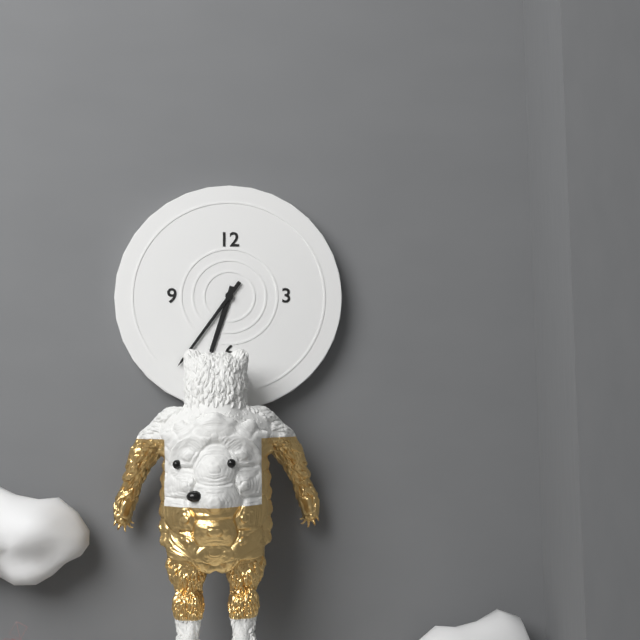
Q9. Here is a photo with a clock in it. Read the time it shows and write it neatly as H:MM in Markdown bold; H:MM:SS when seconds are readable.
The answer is **6:36**
